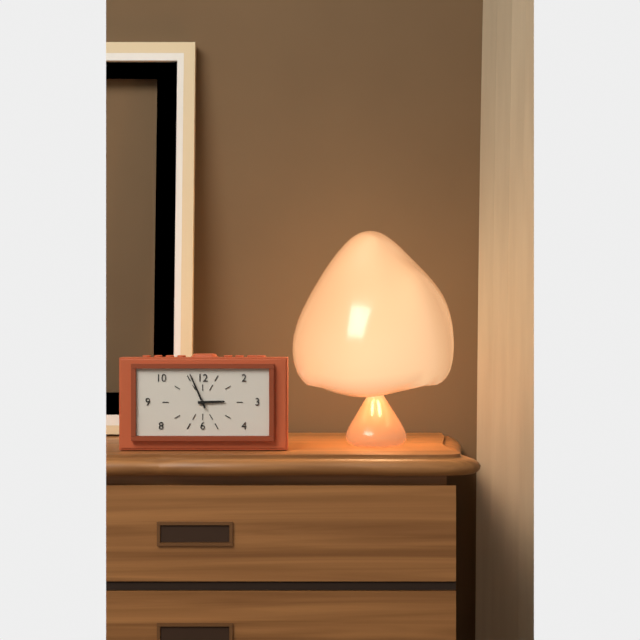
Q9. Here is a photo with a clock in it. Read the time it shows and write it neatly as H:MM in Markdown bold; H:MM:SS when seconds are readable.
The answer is **2:56**
